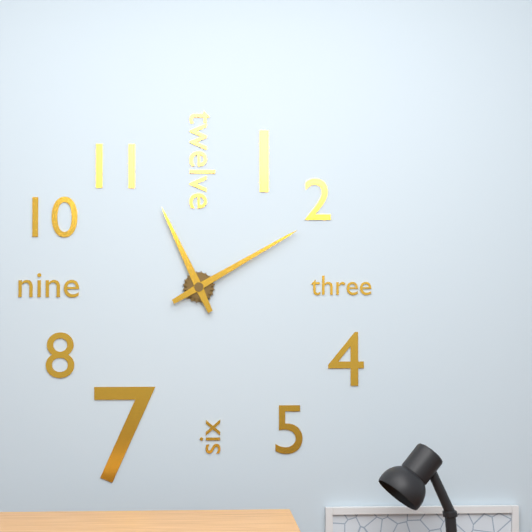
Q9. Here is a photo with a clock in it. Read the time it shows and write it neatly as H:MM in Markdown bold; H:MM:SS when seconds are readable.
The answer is **11:10**
